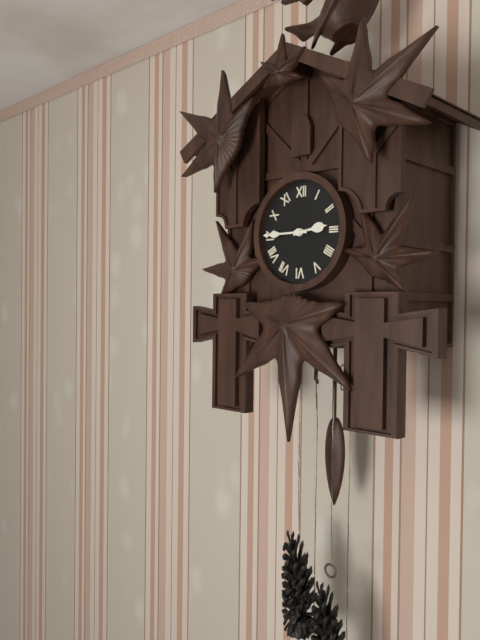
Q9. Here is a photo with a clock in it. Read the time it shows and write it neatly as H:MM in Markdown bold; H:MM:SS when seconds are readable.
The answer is **2:45**
